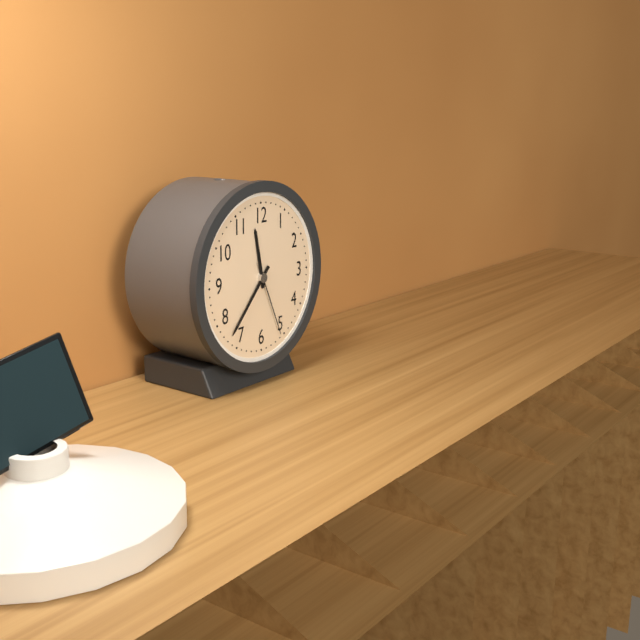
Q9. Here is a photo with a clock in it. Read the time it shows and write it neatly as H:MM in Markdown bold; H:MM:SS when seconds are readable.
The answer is **11:37:26**
